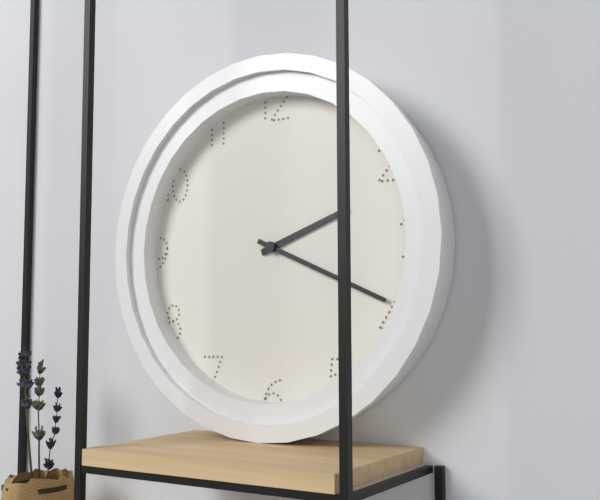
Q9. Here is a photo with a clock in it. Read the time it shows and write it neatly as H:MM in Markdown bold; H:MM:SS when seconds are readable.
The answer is **2:19**
